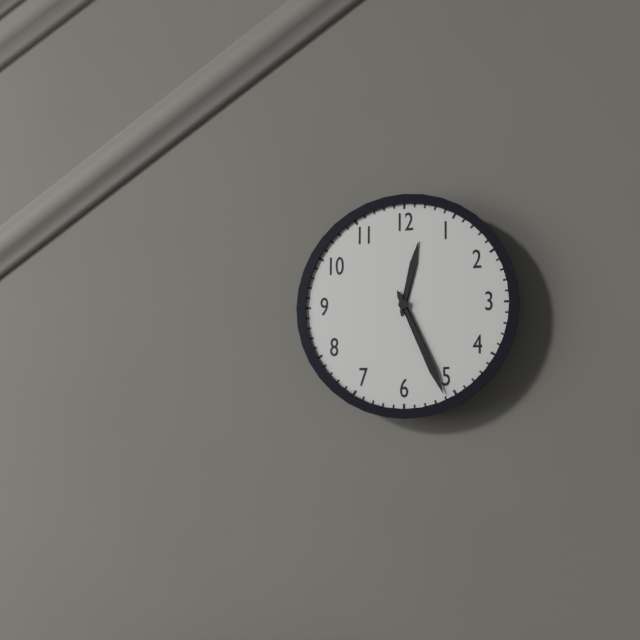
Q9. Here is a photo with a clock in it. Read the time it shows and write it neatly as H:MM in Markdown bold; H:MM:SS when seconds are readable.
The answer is **12:26**
